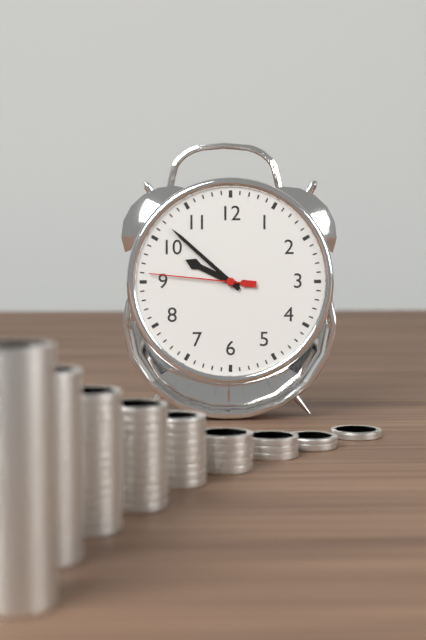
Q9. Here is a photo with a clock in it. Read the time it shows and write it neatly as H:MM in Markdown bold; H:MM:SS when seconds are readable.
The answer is **9:52:46**
